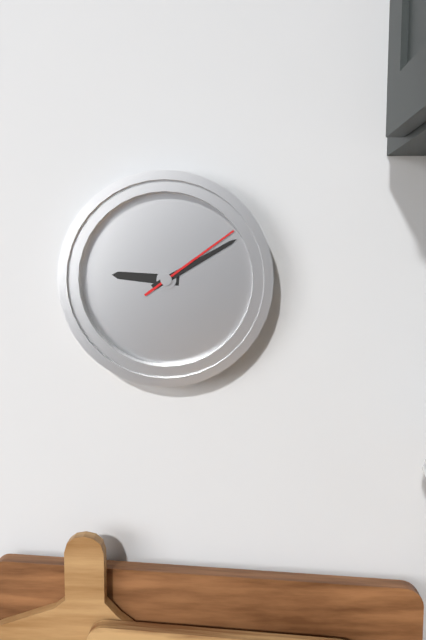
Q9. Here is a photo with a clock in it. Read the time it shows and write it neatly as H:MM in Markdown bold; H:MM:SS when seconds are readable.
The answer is **9:10:09**
